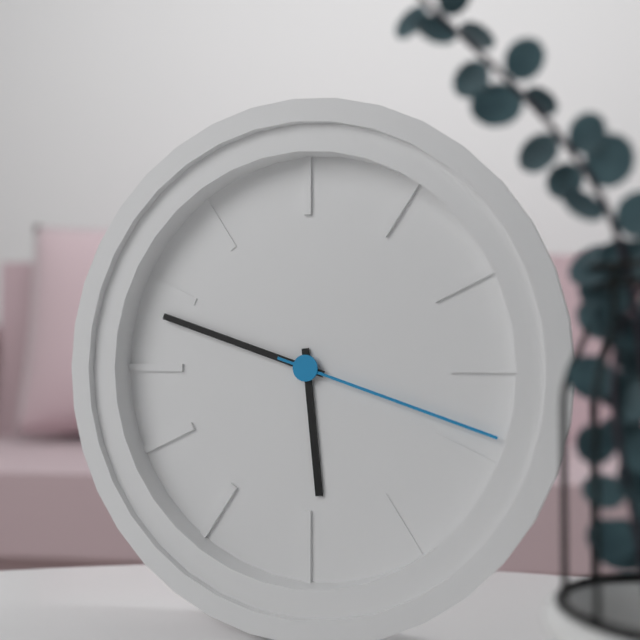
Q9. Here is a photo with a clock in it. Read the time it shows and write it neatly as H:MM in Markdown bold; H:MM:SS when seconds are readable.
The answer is **5:48:18**
